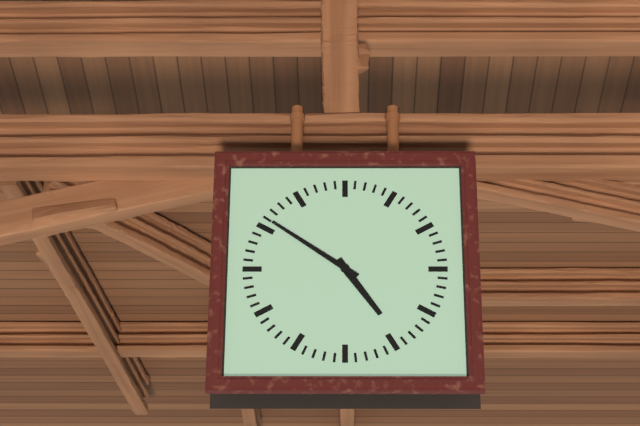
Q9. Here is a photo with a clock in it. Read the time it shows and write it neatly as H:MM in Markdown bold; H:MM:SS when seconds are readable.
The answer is **4:51**
